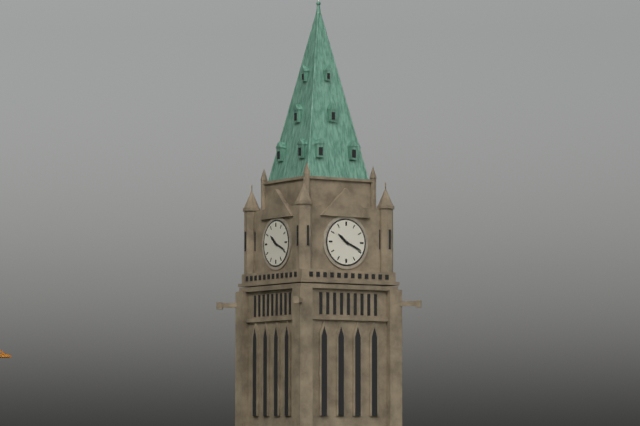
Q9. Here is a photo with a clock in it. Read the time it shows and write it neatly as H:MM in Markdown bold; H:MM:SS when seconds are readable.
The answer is **10:19**
